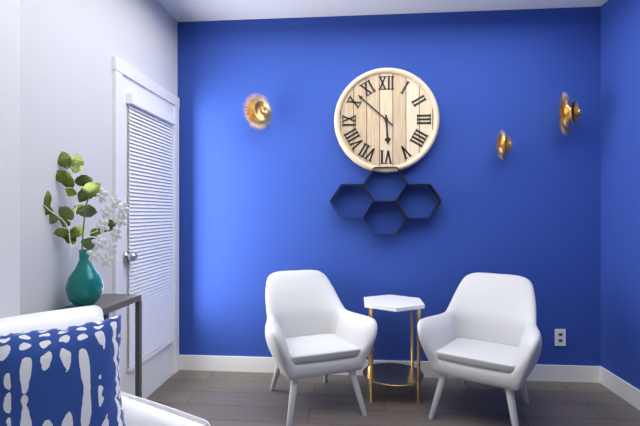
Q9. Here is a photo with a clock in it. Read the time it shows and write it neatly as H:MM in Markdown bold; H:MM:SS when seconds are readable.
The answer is **5:52**
